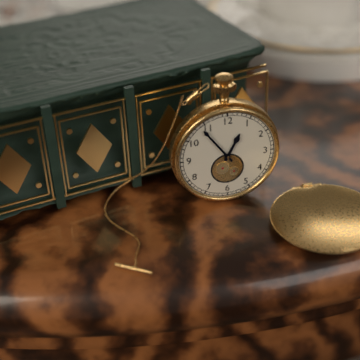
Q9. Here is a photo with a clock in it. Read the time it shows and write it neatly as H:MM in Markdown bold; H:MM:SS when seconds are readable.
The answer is **12:54**
